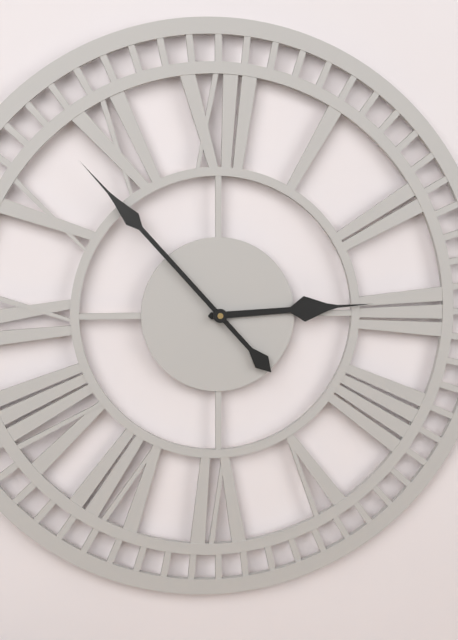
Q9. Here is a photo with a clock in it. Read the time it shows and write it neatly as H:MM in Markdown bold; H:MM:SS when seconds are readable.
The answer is **2:53**
